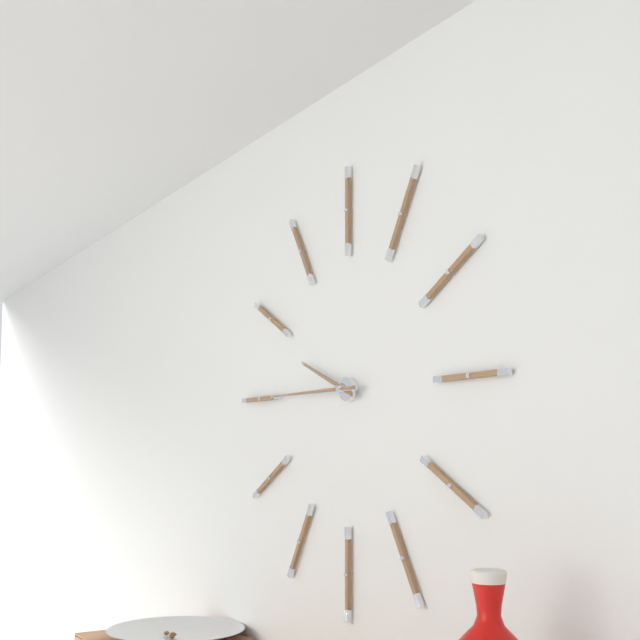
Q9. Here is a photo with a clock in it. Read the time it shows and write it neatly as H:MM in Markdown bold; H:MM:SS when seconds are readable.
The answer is **9:45**
